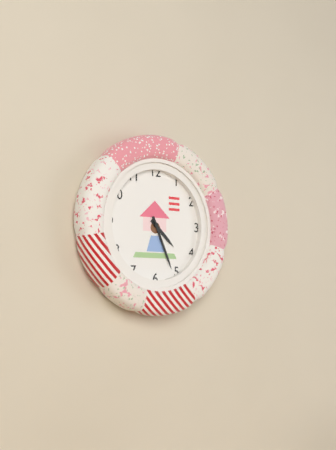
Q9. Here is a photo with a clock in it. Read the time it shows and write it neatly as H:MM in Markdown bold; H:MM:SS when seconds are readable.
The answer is **4:26**
